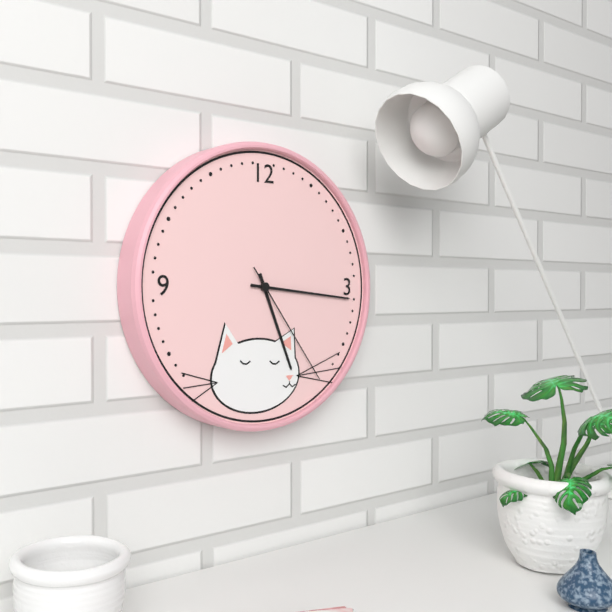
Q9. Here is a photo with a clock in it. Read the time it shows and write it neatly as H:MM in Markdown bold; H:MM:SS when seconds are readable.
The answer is **5:16:24**
